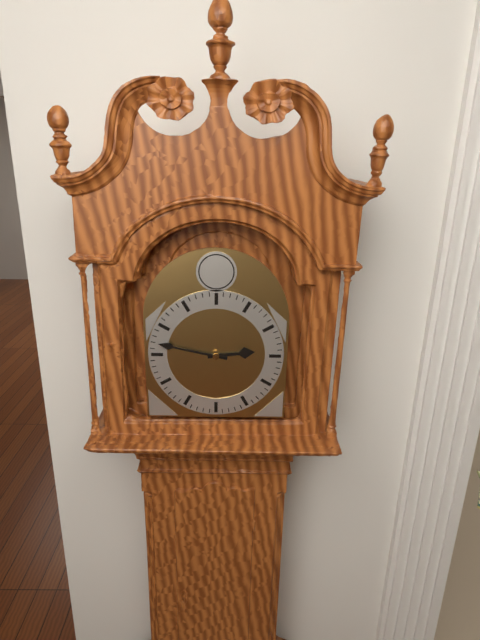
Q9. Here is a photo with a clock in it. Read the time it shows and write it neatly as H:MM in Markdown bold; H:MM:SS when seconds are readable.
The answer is **2:47**
